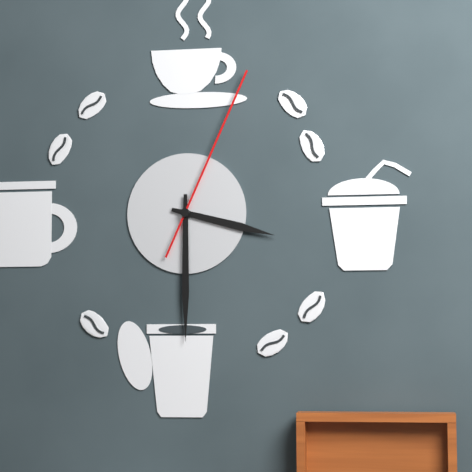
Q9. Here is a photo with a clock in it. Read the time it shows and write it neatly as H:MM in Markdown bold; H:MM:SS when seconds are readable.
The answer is **3:30:04**
